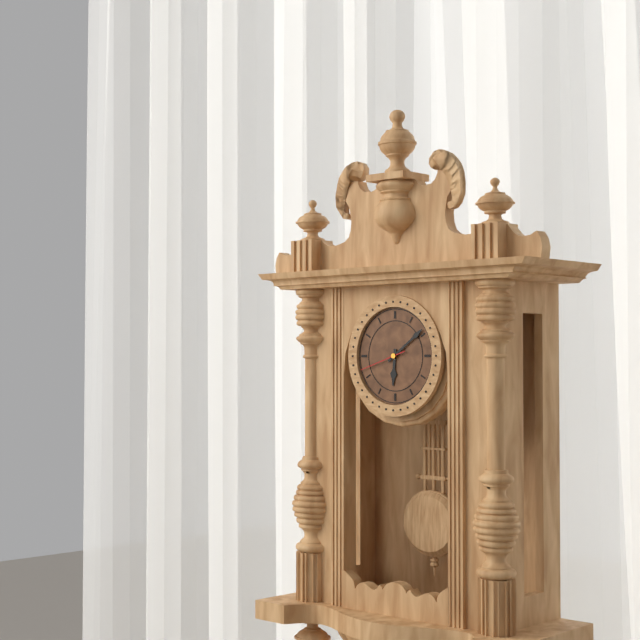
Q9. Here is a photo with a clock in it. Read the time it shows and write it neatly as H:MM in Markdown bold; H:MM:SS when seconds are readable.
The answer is **6:09**
